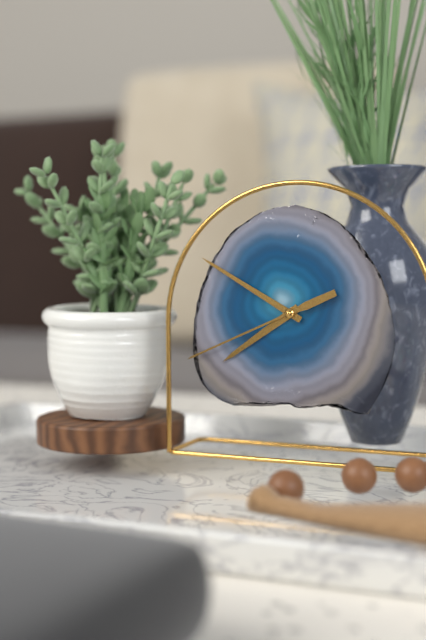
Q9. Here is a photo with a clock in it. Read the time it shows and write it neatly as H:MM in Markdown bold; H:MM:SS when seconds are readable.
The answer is **7:50:41**
